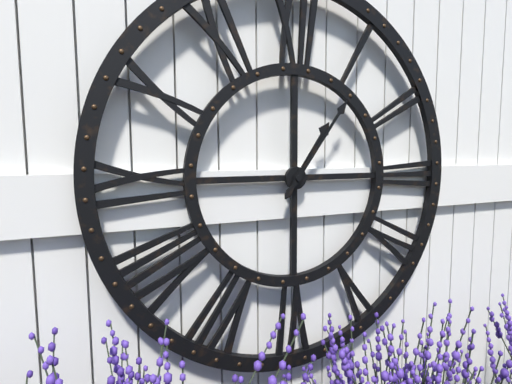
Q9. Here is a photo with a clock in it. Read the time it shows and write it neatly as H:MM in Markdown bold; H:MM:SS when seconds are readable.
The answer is **1:06**
